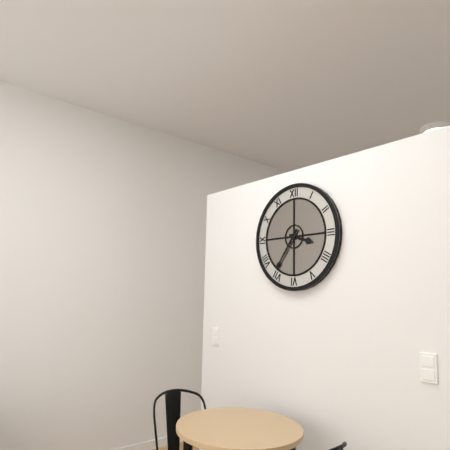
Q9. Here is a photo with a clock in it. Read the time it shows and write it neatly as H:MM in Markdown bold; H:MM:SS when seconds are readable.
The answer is **3:36**
